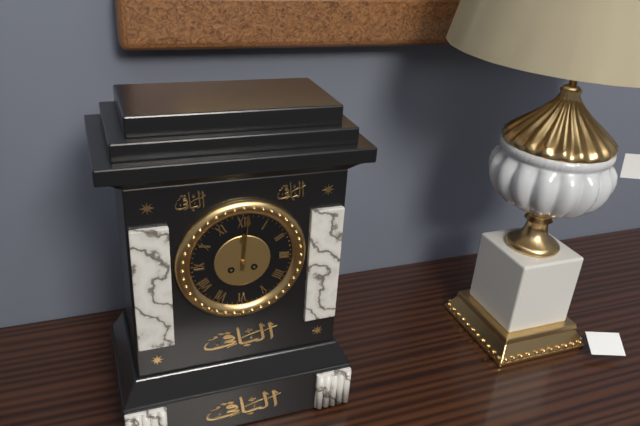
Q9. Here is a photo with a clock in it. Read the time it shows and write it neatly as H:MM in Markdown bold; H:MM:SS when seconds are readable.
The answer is **12:01**
